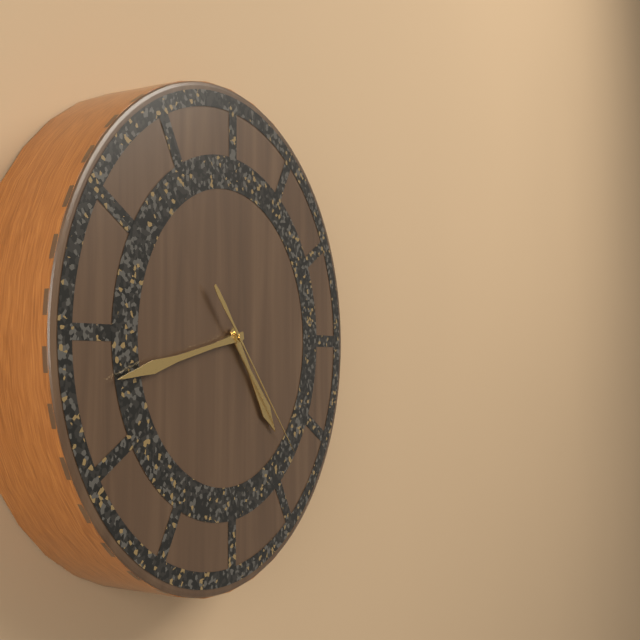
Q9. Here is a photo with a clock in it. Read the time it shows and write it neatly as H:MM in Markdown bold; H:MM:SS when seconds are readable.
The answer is **4:43:23**
